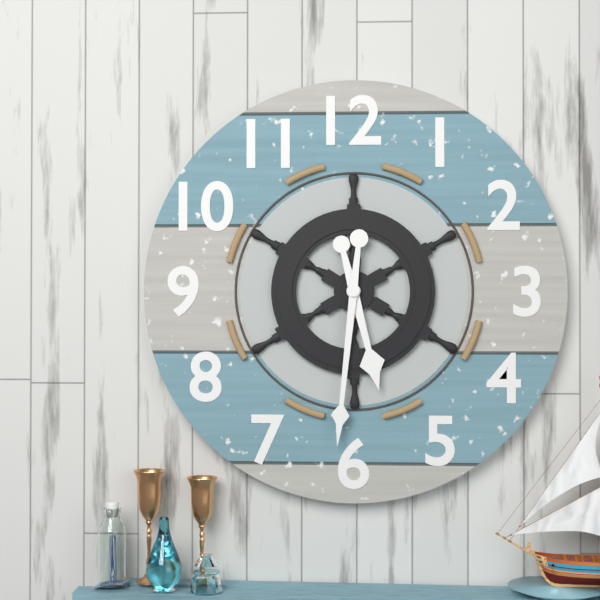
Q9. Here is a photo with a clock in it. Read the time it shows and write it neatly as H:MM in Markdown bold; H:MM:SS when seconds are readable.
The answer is **5:31**
